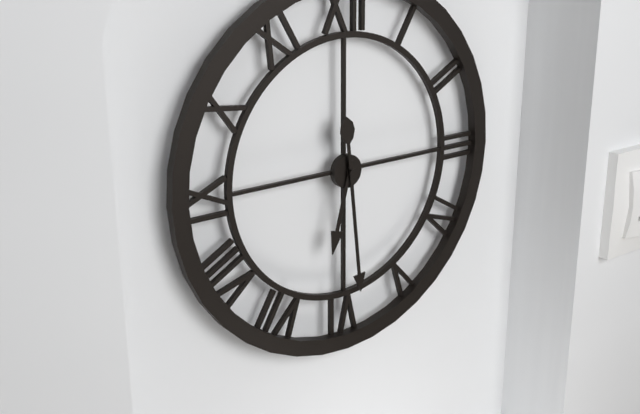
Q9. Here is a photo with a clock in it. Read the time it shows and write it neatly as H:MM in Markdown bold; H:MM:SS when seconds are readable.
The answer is **6:29**
